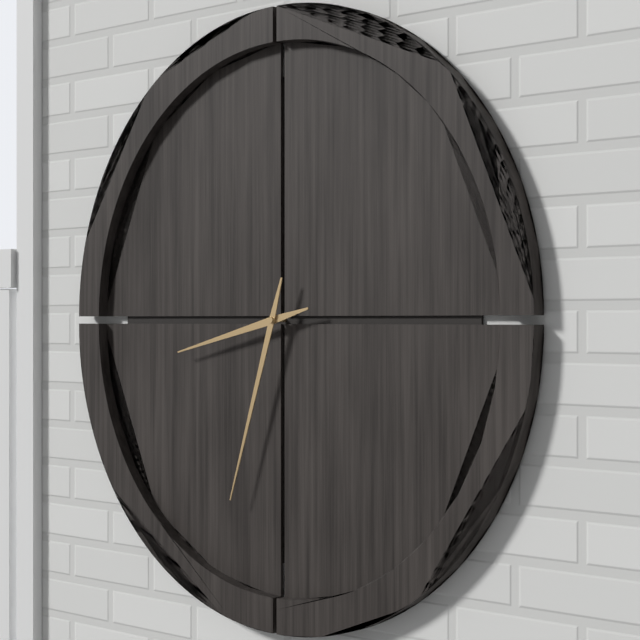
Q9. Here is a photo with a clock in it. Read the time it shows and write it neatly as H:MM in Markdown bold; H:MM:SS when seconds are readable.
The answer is **8:33**
